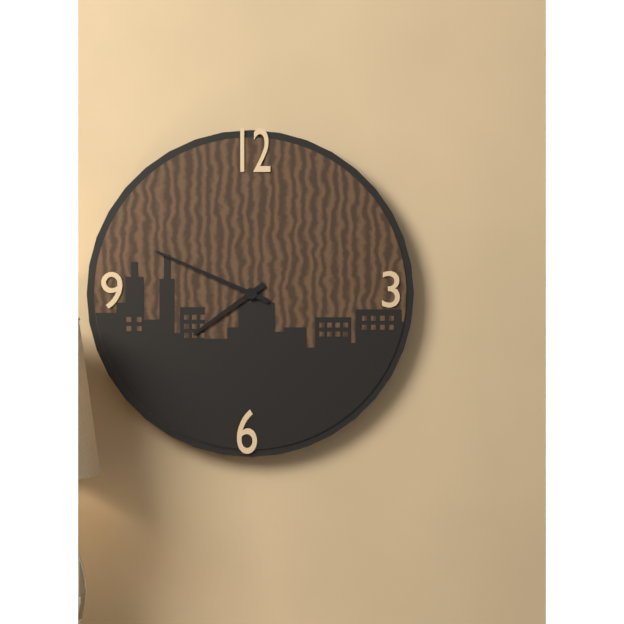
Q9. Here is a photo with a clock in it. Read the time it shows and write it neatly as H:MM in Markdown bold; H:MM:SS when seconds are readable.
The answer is **7:49**
